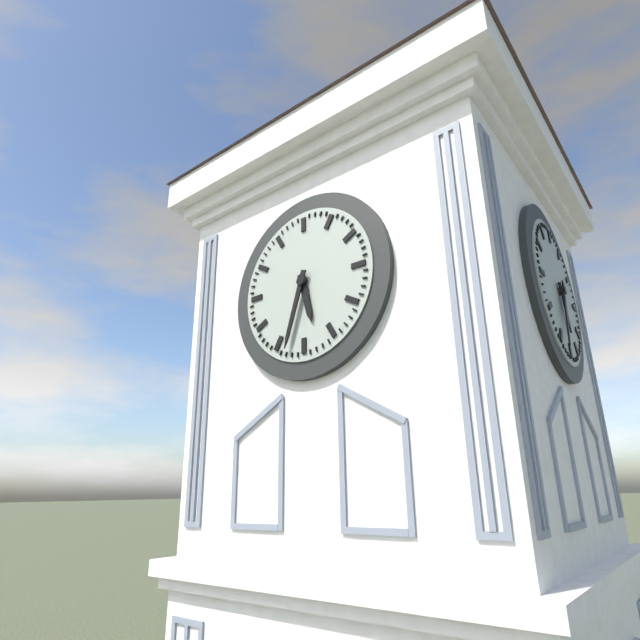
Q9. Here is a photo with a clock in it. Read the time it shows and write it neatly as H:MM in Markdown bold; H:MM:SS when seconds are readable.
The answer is **5:33**
